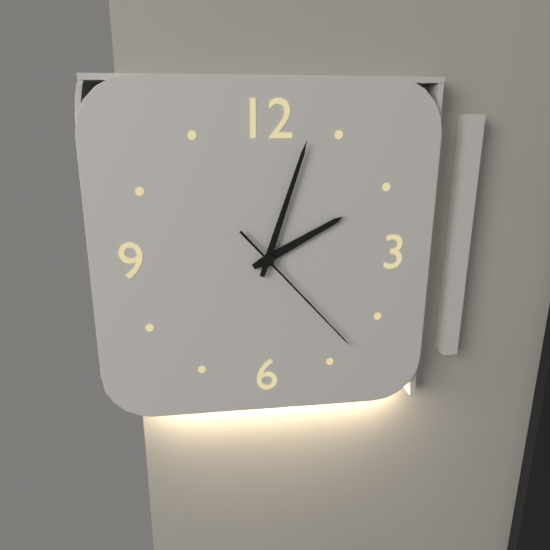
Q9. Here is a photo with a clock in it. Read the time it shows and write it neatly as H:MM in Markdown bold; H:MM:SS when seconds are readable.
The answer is **2:03:23**
